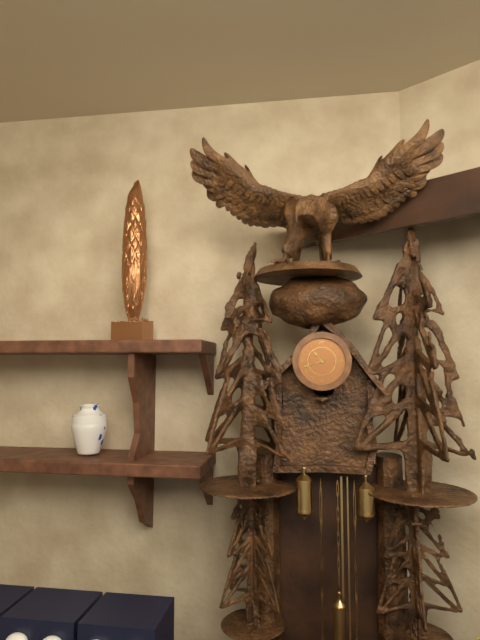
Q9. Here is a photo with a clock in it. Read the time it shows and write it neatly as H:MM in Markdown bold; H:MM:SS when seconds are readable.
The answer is **10:42**
